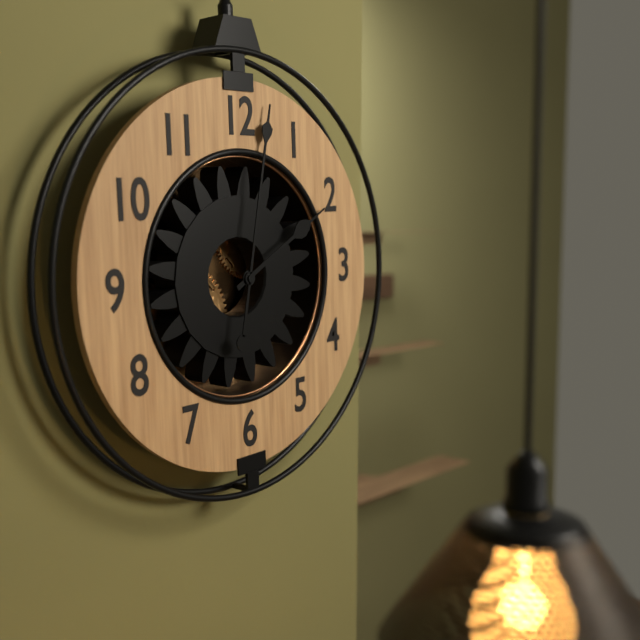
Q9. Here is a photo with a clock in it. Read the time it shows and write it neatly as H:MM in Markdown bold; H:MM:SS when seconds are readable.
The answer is **2:02**
